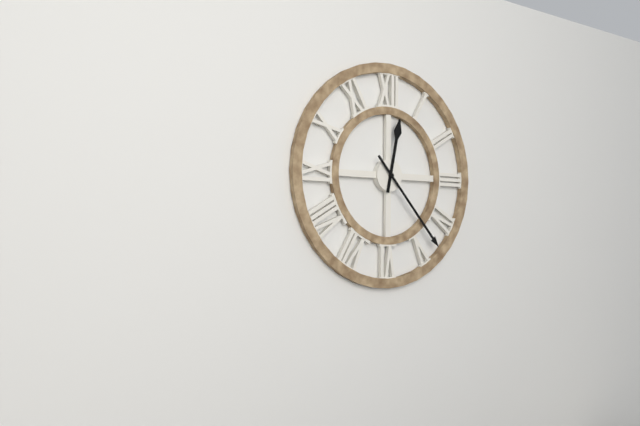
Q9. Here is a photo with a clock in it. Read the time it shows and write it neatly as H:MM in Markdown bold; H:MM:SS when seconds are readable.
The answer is **12:23**
